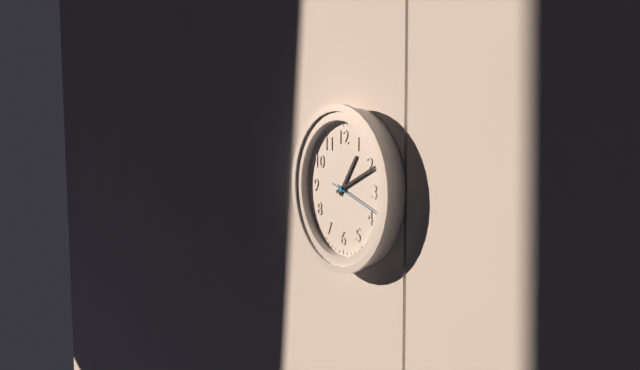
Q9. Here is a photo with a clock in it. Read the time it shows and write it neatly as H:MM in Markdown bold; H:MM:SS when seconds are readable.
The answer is **1:11:18**
